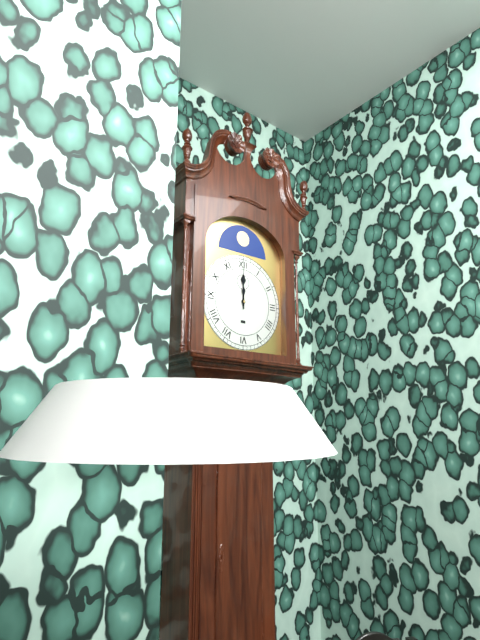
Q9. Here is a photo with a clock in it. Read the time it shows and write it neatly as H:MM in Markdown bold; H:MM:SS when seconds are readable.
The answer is **12:00**
